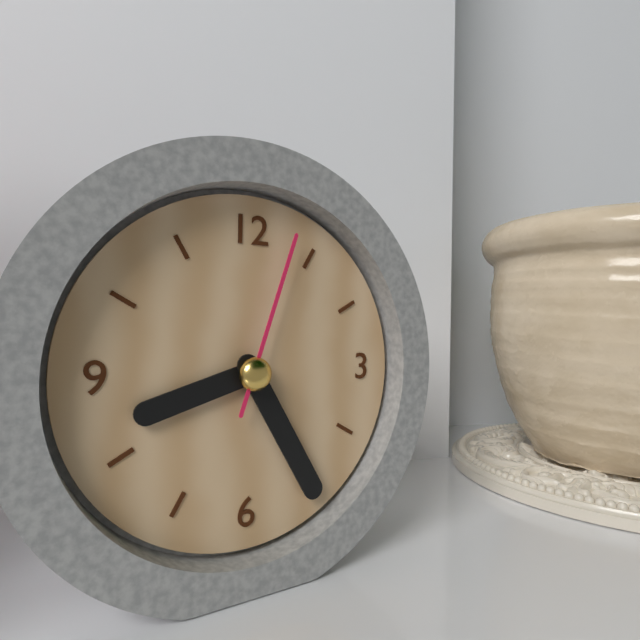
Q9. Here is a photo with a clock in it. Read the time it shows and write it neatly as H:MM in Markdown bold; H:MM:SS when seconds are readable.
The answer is **8:25:03**
